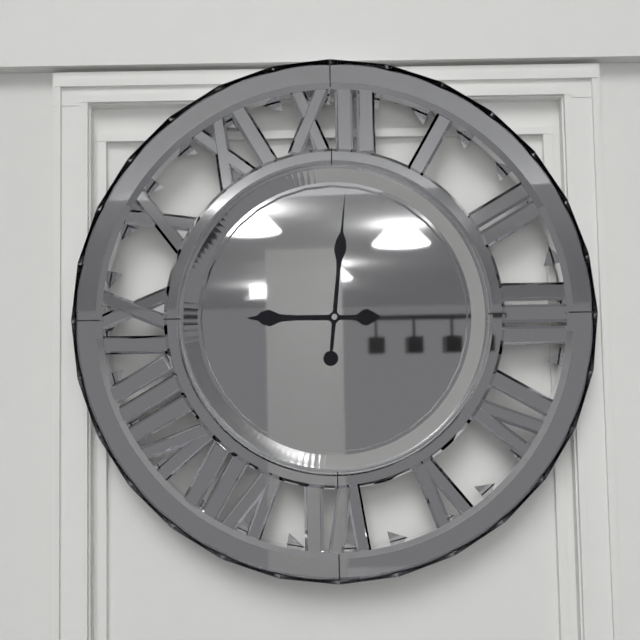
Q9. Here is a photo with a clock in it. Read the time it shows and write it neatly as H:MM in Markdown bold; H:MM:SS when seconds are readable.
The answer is **9:01**
